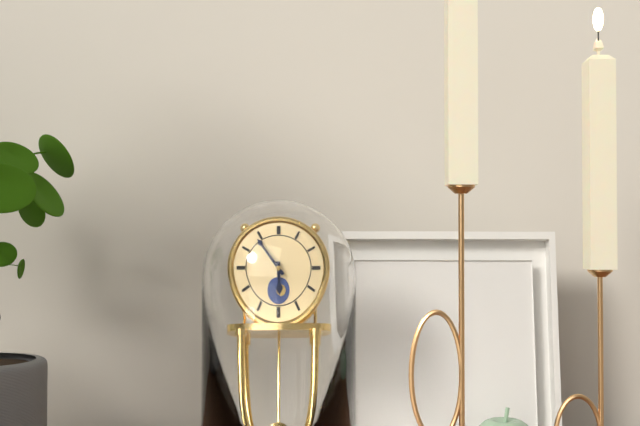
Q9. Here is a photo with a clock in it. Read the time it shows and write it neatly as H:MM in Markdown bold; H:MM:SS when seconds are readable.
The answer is **5:54**
